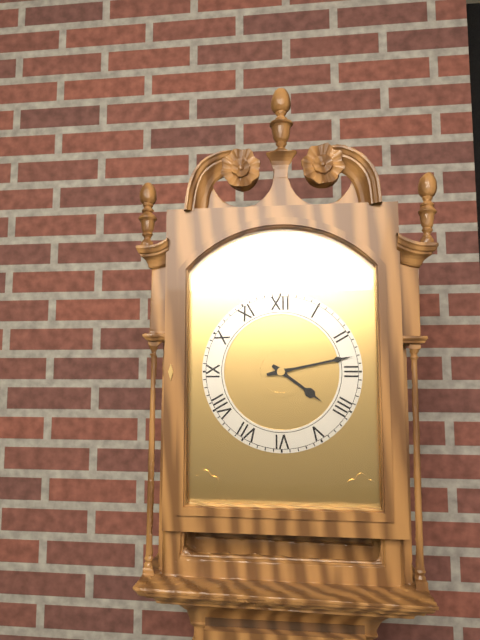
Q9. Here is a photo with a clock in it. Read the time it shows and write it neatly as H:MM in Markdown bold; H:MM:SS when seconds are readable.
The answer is **4:13**
